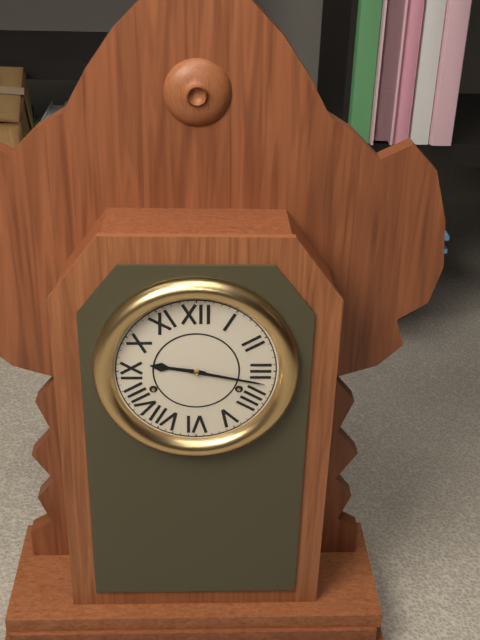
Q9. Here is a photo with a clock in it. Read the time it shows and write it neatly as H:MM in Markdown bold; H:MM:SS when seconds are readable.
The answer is **9:17**
